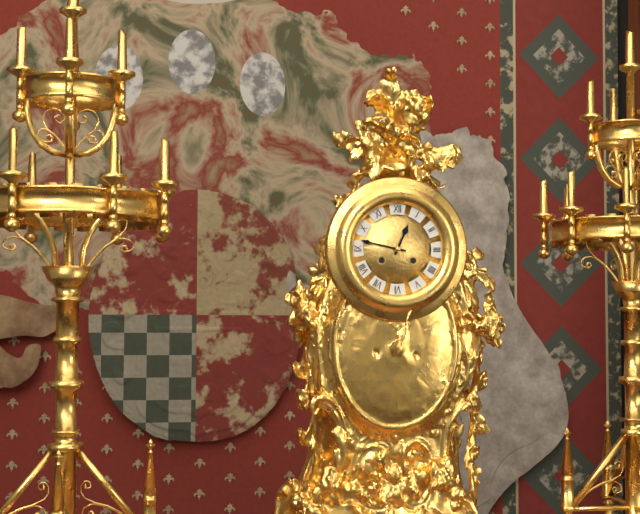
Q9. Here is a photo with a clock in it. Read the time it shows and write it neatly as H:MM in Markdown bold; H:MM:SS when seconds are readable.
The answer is **12:47**
